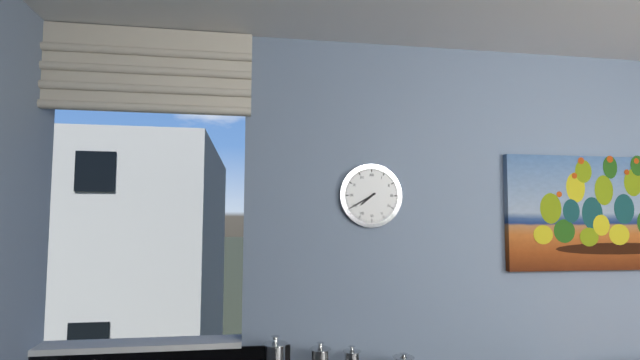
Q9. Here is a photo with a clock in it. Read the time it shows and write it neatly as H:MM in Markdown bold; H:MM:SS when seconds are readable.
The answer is **7:40**
